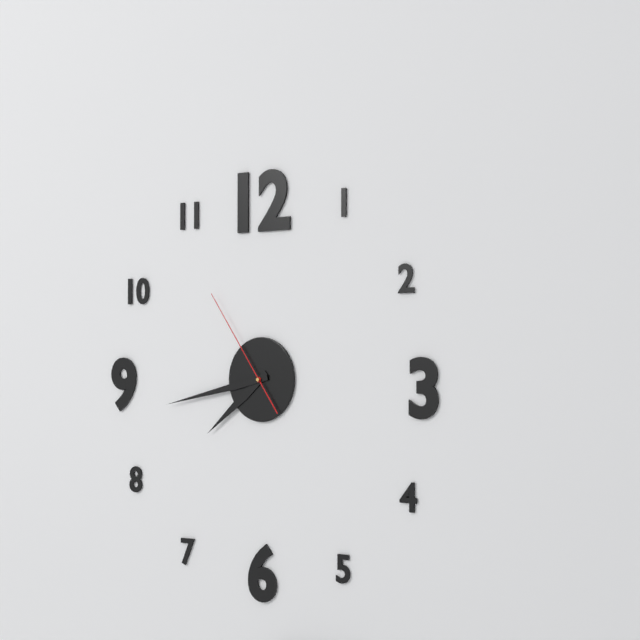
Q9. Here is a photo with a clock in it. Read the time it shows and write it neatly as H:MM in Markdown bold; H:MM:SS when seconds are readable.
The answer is **7:43:54**
